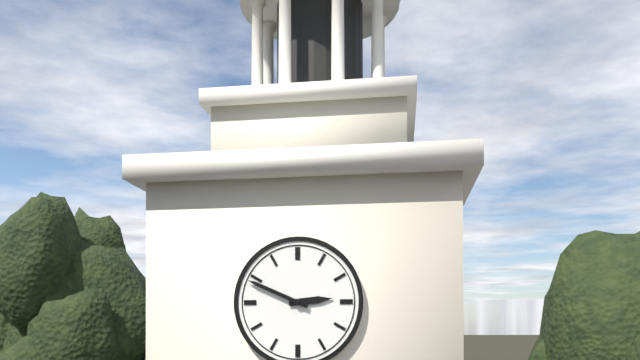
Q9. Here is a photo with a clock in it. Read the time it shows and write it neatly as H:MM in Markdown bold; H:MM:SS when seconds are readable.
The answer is **2:49**
